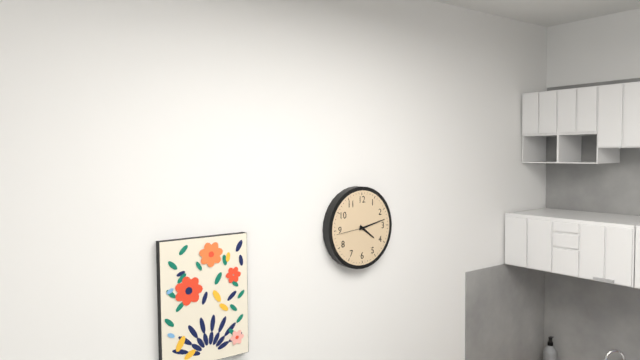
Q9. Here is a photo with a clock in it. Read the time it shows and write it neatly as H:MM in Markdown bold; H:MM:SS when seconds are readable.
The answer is **4:13**
